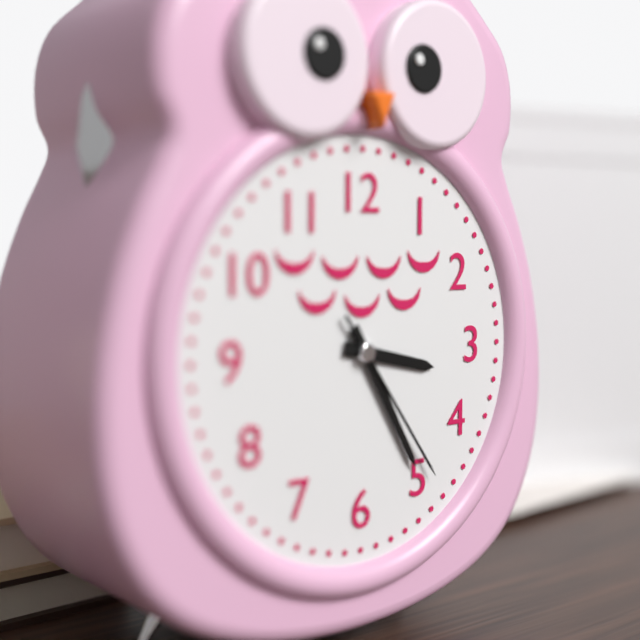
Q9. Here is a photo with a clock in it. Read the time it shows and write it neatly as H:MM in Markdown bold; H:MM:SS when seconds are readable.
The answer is **3:25:24**
